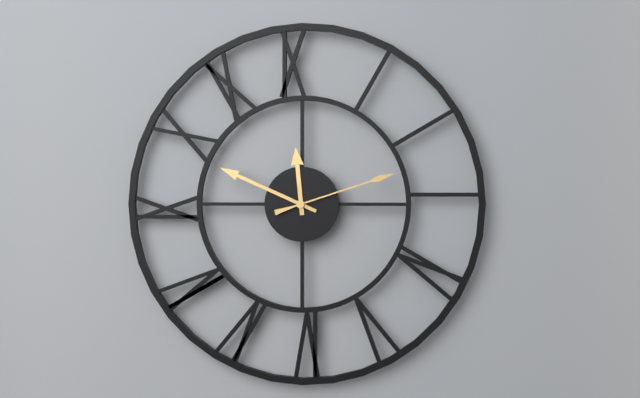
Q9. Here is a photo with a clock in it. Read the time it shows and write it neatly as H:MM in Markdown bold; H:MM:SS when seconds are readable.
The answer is **11:49:12**
